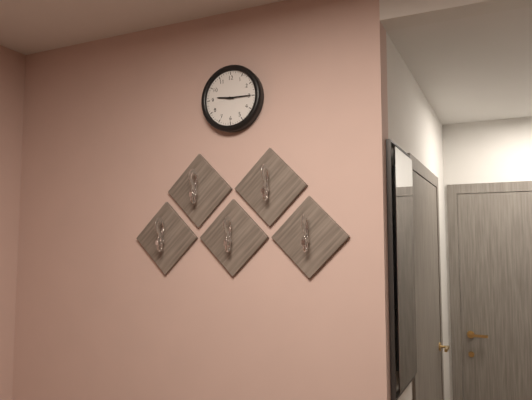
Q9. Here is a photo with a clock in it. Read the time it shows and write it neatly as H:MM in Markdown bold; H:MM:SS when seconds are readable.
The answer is **9:15**
